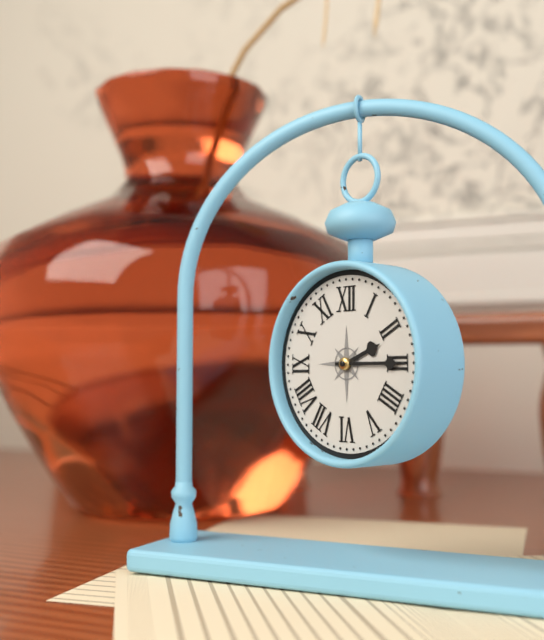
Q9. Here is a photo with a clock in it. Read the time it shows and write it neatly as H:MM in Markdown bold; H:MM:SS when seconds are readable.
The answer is **2:15**
